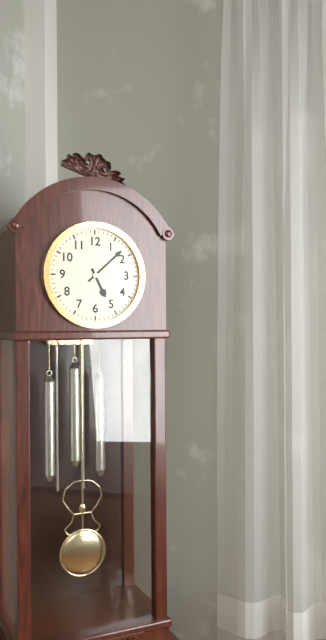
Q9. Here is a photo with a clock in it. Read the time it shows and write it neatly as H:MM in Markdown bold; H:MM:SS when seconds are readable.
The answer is **5:08**
